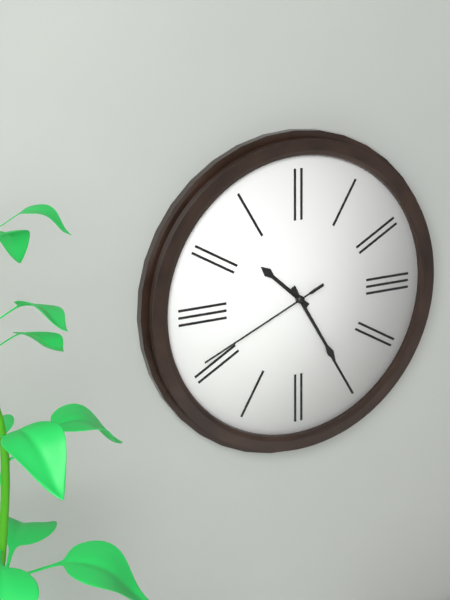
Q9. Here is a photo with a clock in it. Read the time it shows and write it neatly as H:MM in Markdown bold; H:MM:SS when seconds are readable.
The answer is **10:25:41**
